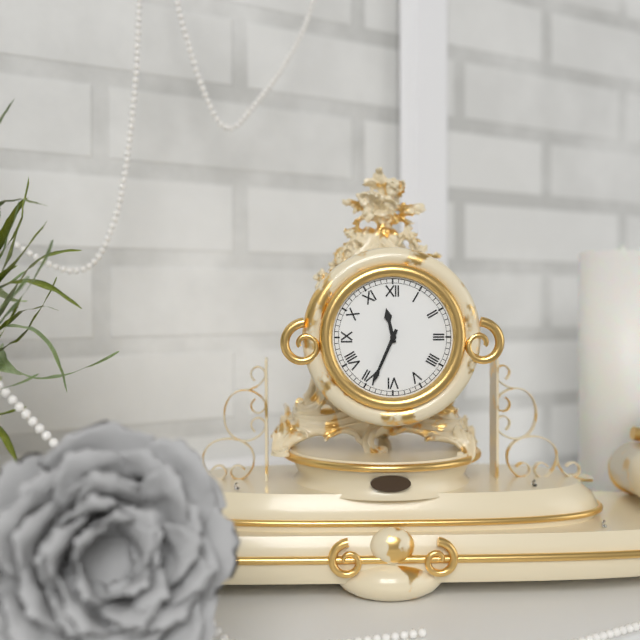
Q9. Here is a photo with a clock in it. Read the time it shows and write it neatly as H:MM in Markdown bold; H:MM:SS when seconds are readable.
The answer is **11:34**
